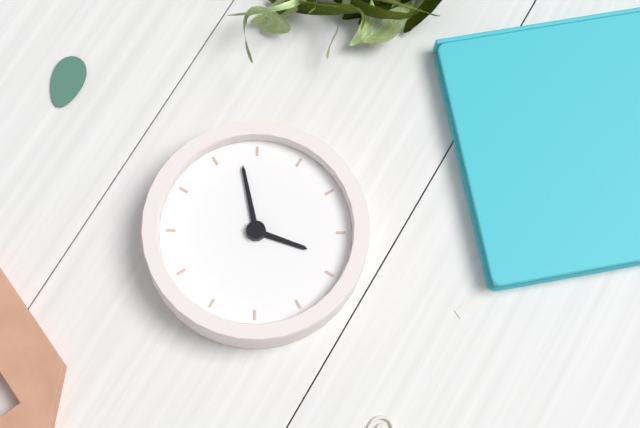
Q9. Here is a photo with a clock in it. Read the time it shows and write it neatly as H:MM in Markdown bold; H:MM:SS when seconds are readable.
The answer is **11:38**
